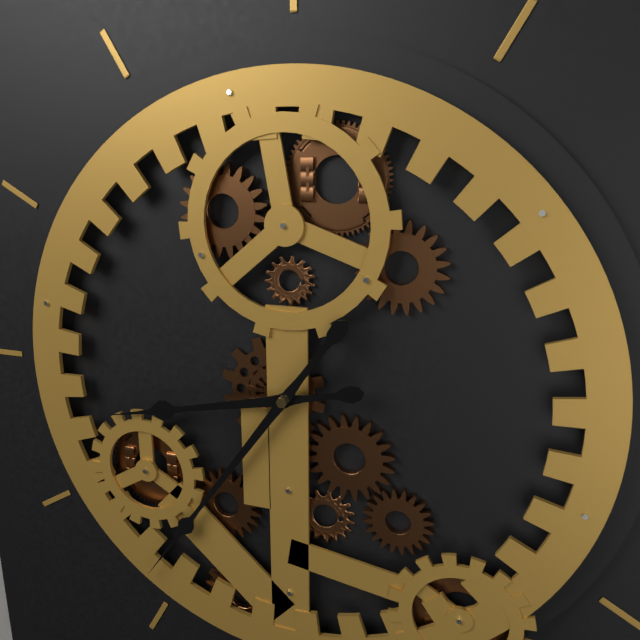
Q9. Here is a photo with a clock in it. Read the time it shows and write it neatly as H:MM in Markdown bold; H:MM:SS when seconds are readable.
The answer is **8:36**
